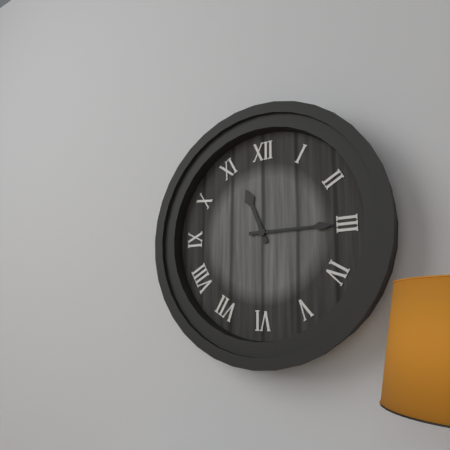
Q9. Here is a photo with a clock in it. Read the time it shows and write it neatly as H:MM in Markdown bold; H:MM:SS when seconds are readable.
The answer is **11:15**
